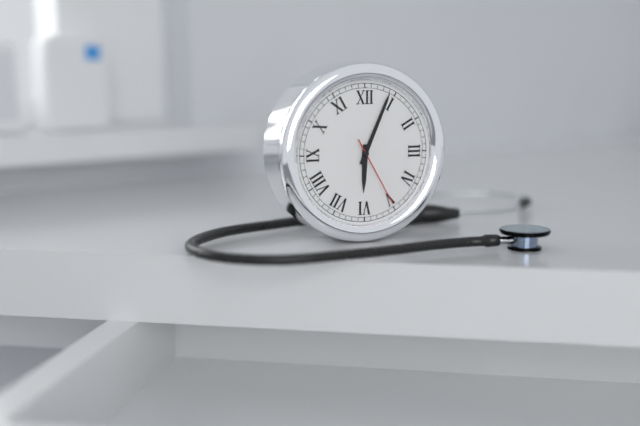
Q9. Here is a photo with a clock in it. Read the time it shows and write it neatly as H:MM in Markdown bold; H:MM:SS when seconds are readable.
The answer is **6:04:25**
